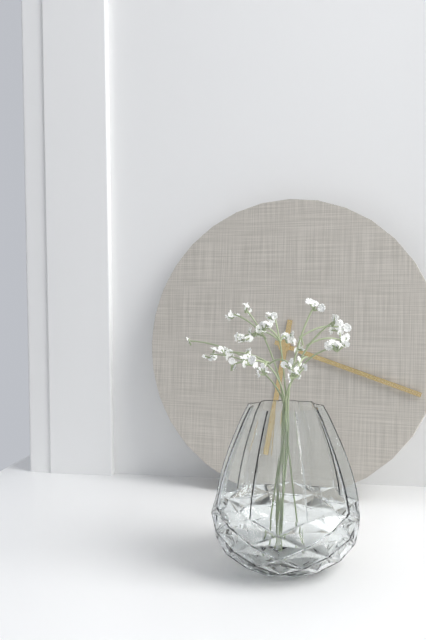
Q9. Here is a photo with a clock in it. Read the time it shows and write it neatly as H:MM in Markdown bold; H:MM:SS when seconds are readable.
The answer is **6:18**
